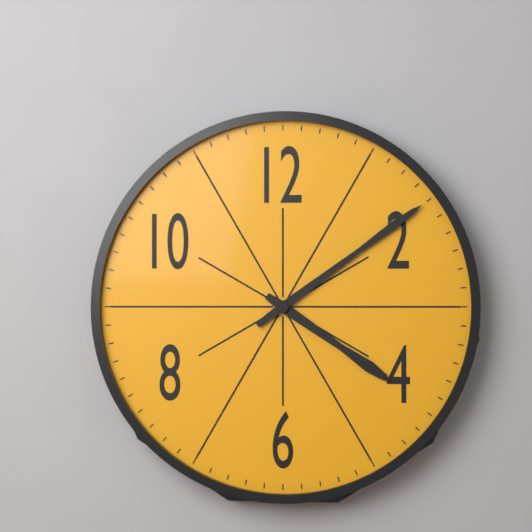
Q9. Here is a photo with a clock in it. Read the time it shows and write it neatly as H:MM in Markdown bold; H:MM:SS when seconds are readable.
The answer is **4:09**
